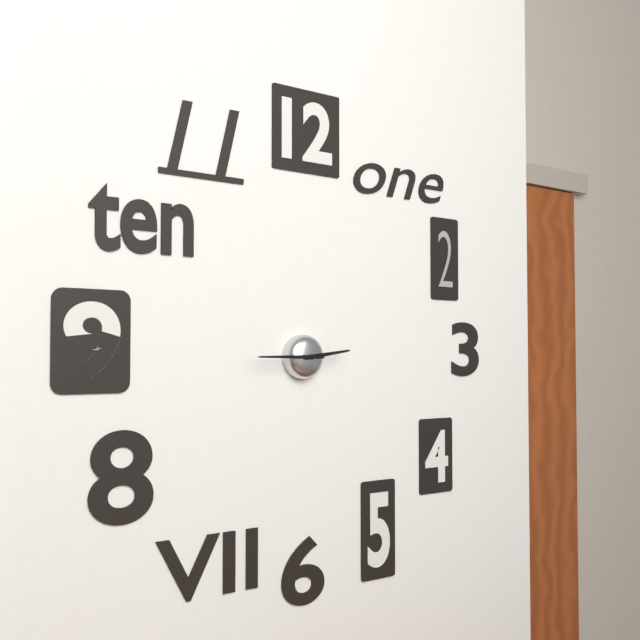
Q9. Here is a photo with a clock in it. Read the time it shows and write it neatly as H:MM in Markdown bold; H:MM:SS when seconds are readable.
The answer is **2:45**
